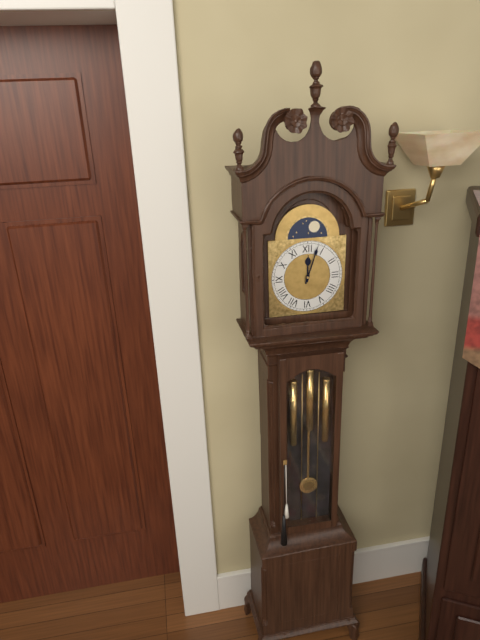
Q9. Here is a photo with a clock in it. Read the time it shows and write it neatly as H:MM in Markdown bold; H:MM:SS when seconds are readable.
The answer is **12:03**
